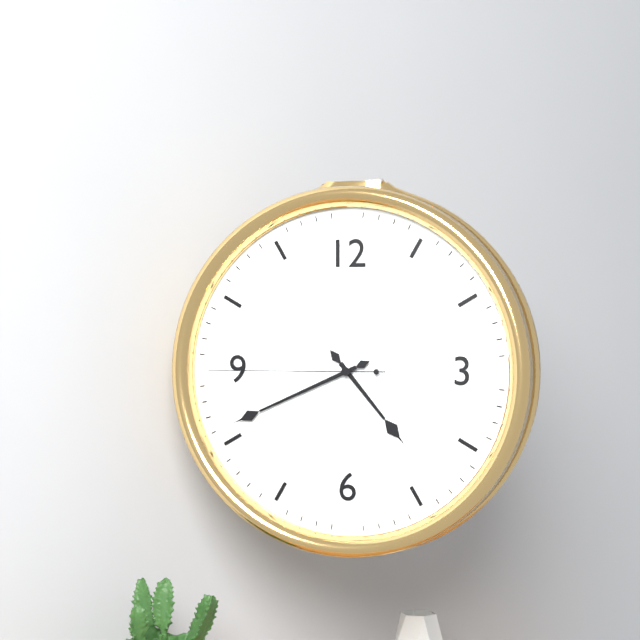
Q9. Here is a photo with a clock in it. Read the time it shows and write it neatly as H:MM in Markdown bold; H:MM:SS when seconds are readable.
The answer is **4:41:45**
